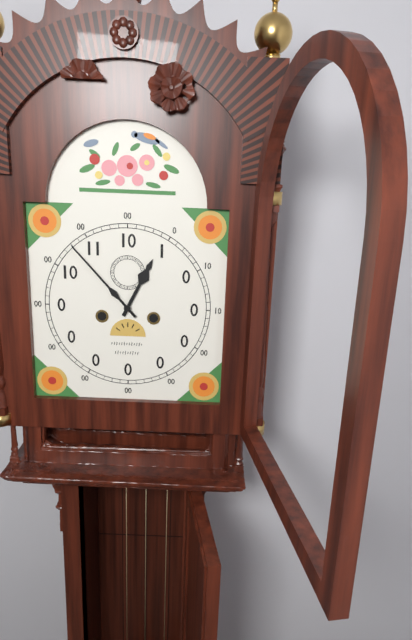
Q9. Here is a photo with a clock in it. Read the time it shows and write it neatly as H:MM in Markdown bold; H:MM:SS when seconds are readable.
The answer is **12:53**
